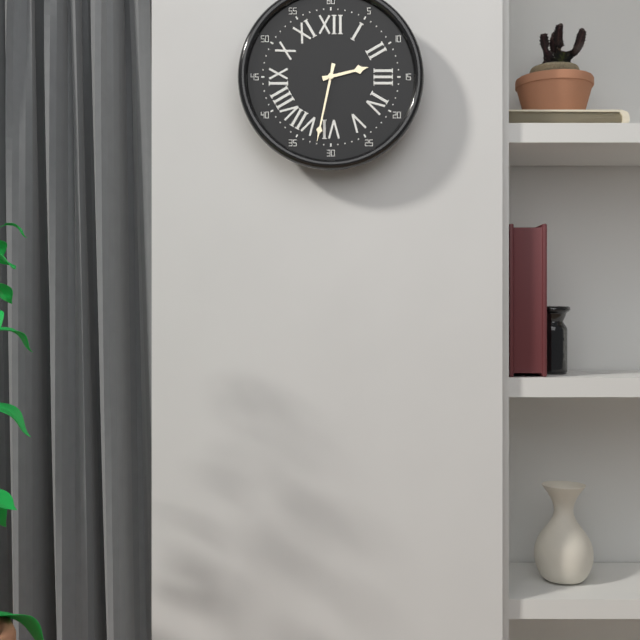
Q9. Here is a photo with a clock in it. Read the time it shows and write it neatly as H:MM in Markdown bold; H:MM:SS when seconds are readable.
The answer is **2:32**
